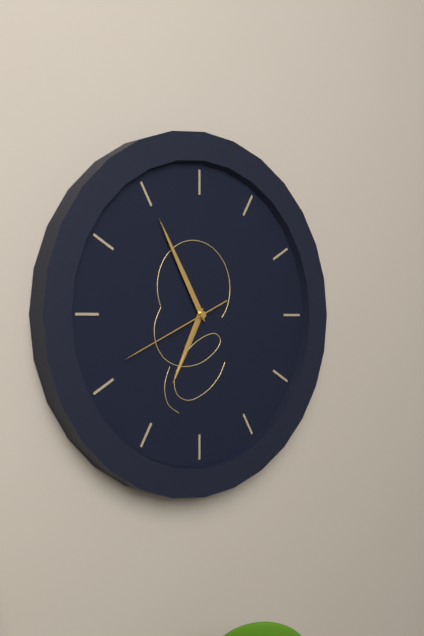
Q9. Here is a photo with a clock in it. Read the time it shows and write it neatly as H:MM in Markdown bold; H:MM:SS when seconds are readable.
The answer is **6:55:41**
